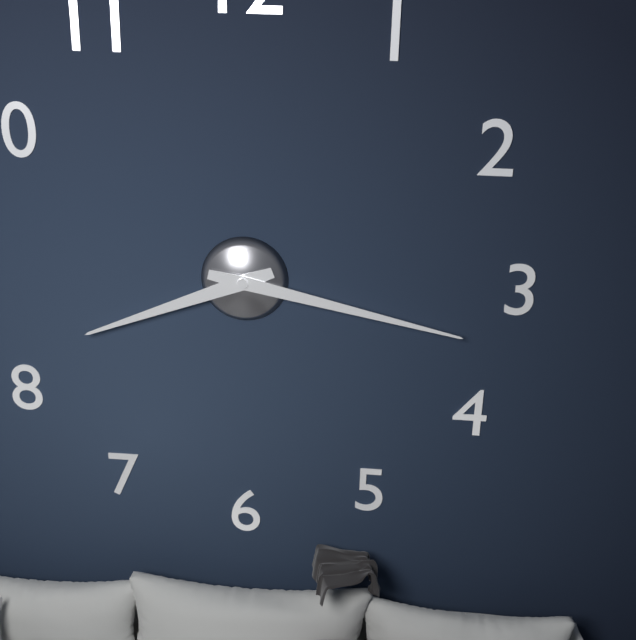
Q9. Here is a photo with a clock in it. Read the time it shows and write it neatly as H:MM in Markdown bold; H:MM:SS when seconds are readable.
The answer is **8:17**
